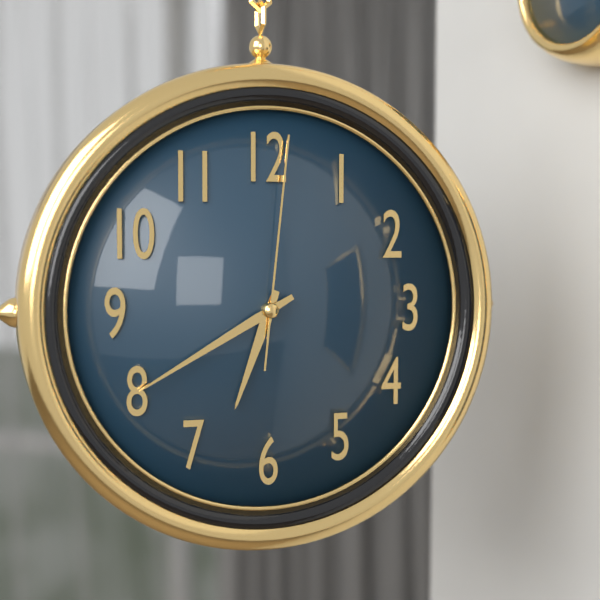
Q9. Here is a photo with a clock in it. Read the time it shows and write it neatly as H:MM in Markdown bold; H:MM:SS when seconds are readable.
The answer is **6:40:01**
